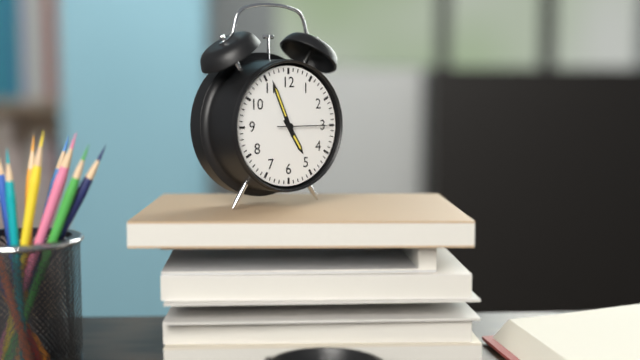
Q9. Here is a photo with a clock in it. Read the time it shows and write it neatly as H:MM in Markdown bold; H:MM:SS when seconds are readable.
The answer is **4:56:15**
